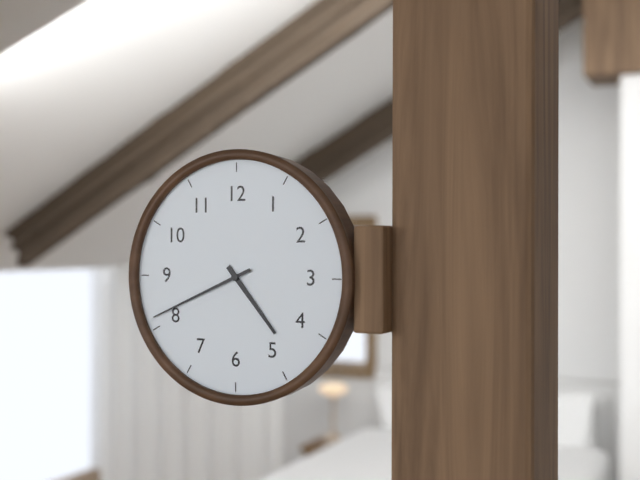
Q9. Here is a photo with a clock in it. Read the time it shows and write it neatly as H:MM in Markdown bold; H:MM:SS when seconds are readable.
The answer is **4:41**
